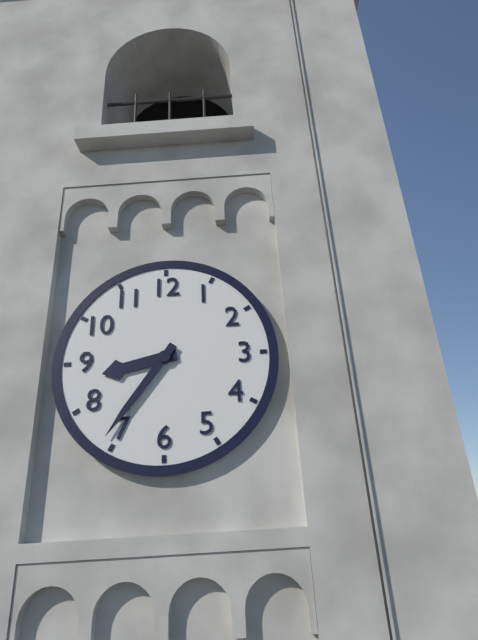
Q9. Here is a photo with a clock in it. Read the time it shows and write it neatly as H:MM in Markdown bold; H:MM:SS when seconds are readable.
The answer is **8:36**
